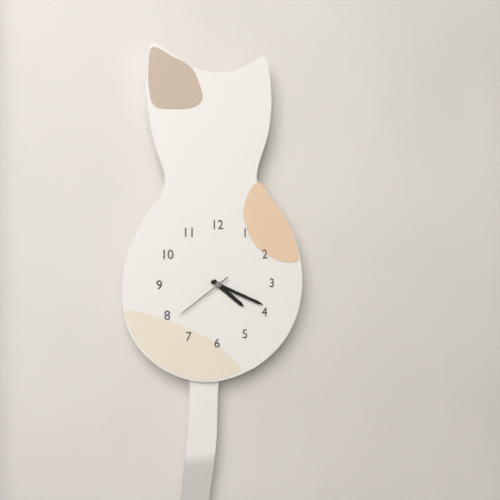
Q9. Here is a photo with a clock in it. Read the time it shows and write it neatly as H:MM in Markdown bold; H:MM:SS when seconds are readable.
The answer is **4:19:39**
